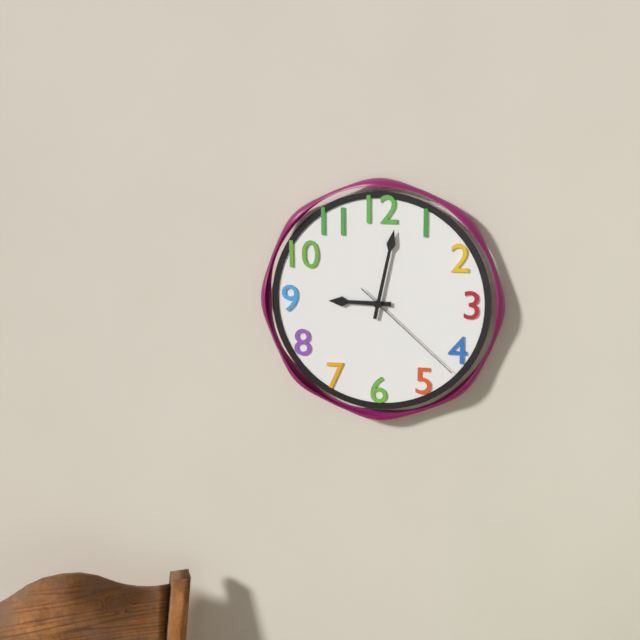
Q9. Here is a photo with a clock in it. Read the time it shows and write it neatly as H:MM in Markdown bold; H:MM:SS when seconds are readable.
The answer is **9:02:22**
